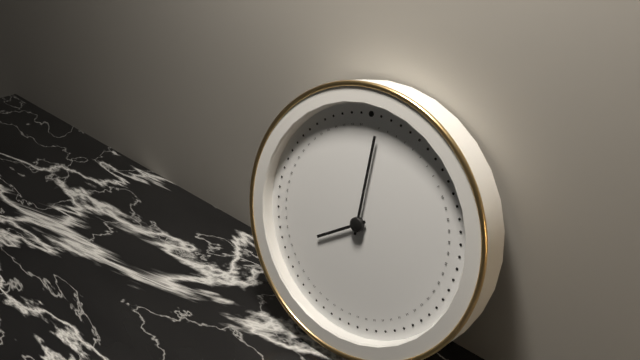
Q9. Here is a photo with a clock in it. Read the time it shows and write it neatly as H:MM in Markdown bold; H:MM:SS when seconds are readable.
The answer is **8:01**
